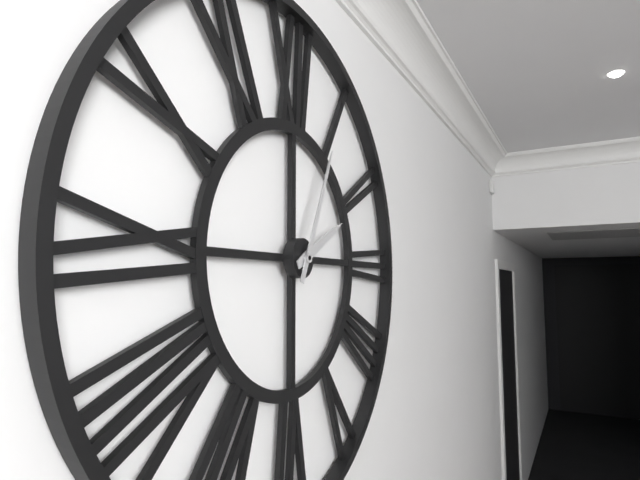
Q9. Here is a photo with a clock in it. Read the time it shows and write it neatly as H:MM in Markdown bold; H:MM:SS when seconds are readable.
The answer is **2:04**
